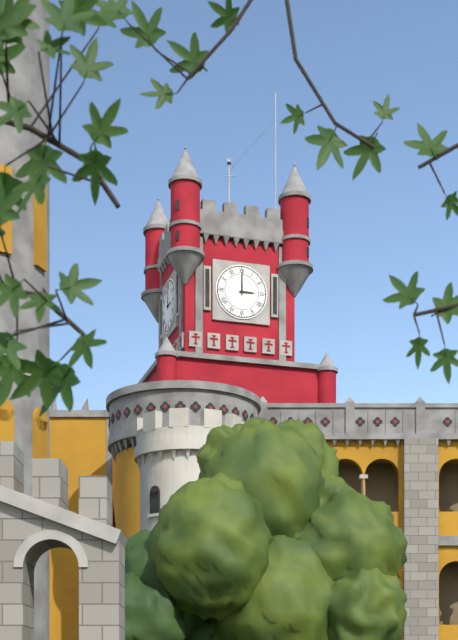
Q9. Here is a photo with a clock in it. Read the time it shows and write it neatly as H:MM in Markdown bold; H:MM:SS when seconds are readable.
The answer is **3:00**
